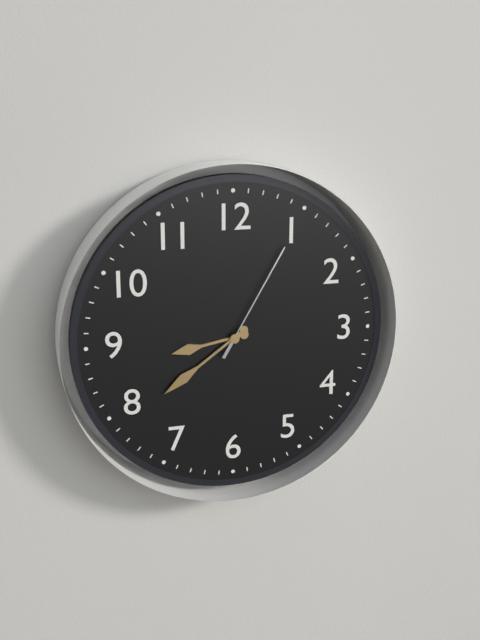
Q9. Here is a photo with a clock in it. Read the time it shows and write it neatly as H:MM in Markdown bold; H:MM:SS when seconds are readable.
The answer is **8:39:05**
